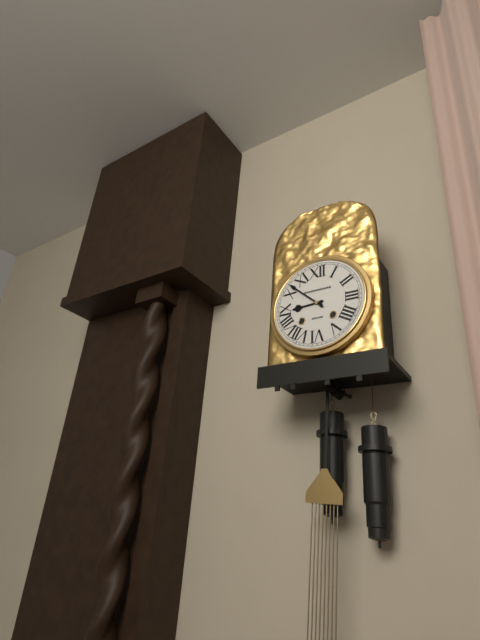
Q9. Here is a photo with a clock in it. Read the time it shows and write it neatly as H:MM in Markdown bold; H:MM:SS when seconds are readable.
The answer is **8:52**
